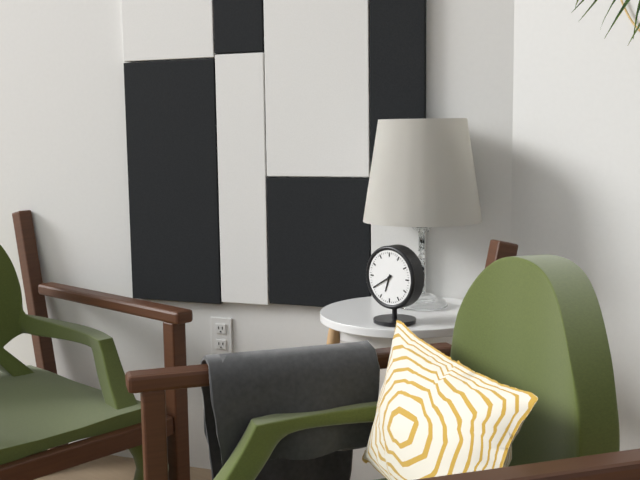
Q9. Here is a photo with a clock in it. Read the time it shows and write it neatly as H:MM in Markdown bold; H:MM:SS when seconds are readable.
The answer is **6:40**
